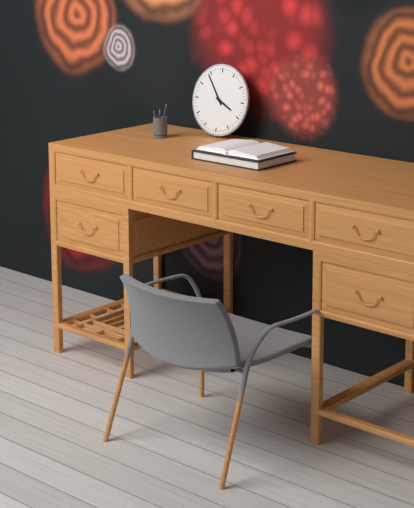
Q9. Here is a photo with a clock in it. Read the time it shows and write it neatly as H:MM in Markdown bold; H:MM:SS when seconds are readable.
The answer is **3:54**
